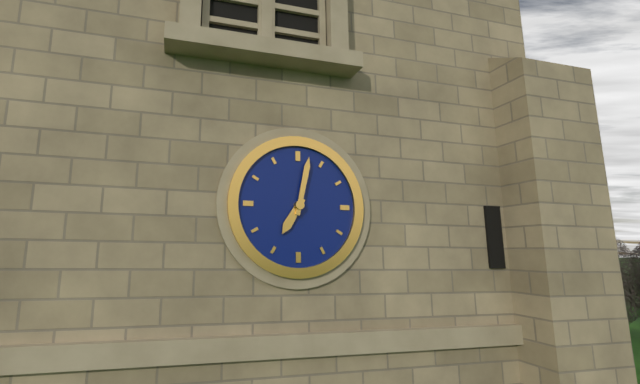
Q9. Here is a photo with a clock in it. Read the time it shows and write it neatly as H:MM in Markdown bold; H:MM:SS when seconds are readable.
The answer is **7:02**
